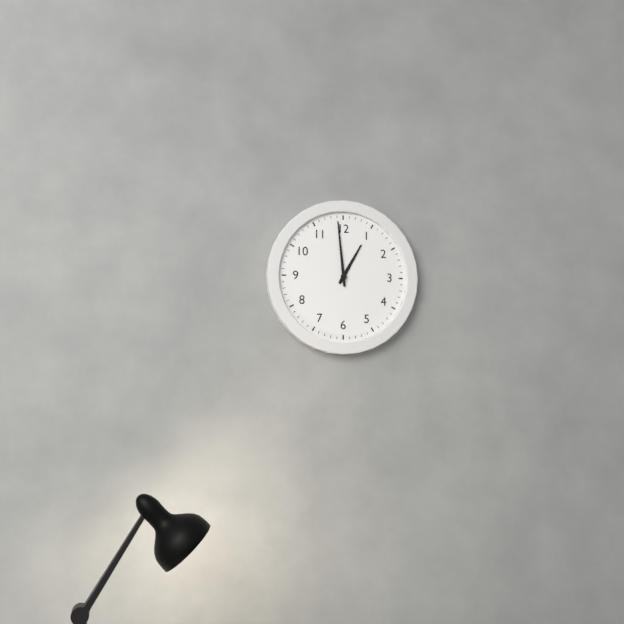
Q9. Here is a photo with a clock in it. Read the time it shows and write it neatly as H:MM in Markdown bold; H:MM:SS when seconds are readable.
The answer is **12:59**
